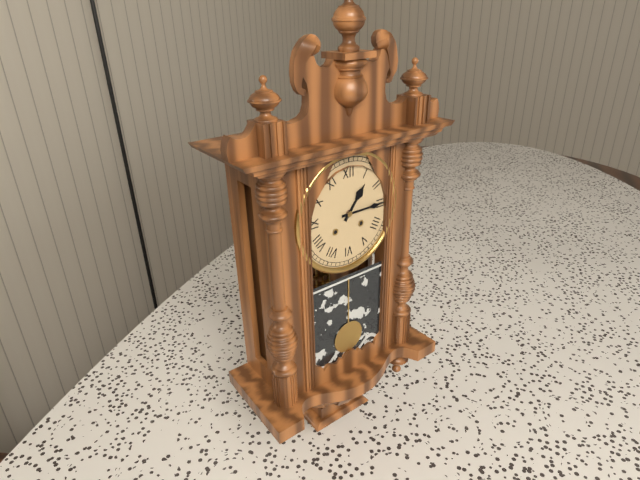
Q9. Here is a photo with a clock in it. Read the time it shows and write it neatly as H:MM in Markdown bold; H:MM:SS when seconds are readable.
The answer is **1:15**
